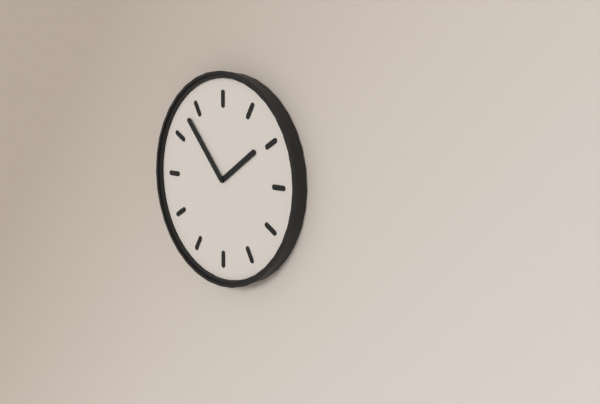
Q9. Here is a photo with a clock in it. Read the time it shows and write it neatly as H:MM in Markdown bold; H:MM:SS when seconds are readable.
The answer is **1:53**
